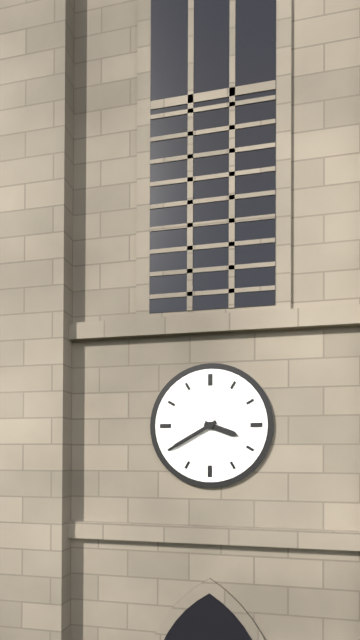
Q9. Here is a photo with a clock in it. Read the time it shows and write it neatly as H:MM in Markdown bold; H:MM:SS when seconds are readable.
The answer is **3:40**
